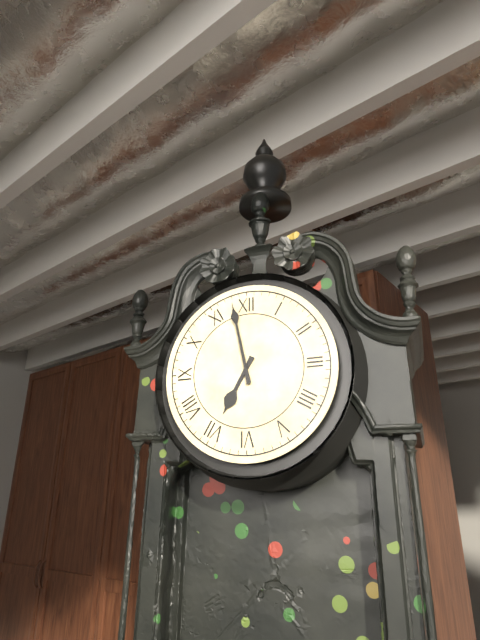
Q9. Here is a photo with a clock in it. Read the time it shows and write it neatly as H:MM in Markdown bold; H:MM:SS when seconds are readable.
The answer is **6:58**
